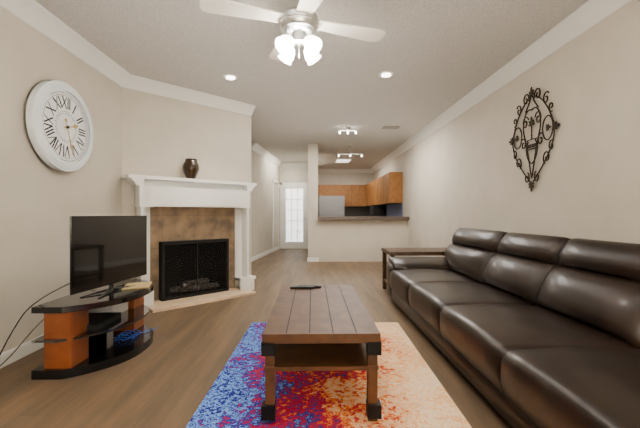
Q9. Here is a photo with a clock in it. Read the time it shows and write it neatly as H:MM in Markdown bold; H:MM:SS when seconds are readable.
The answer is **2:27**
